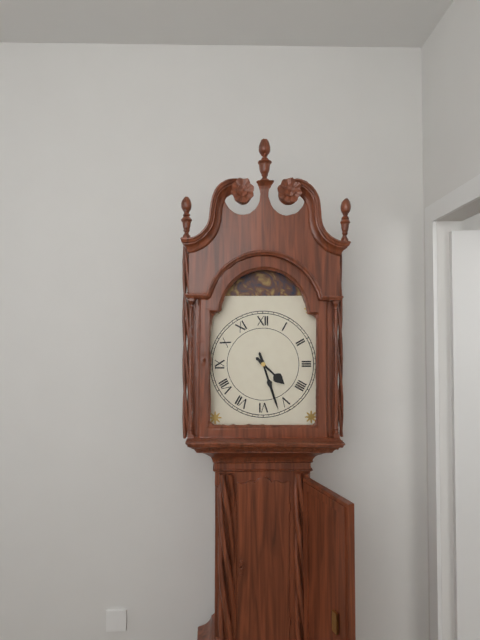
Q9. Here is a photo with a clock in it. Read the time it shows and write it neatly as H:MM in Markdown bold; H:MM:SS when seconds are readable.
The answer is **4:27**
